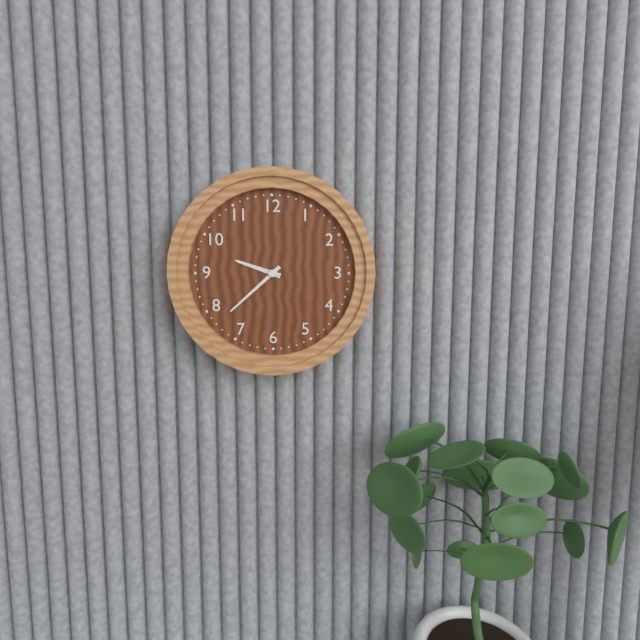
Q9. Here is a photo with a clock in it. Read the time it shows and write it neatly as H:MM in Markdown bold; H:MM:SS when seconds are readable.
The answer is **9:38**
